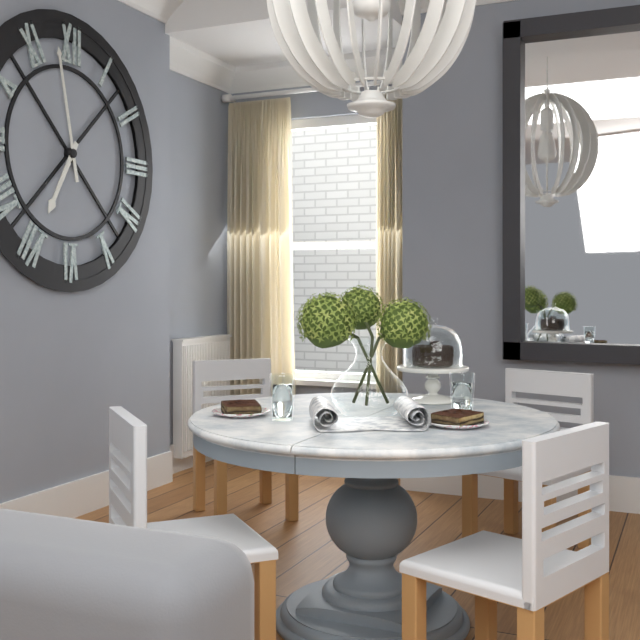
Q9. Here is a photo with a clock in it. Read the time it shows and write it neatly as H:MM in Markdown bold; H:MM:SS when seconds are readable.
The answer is **6:58**
